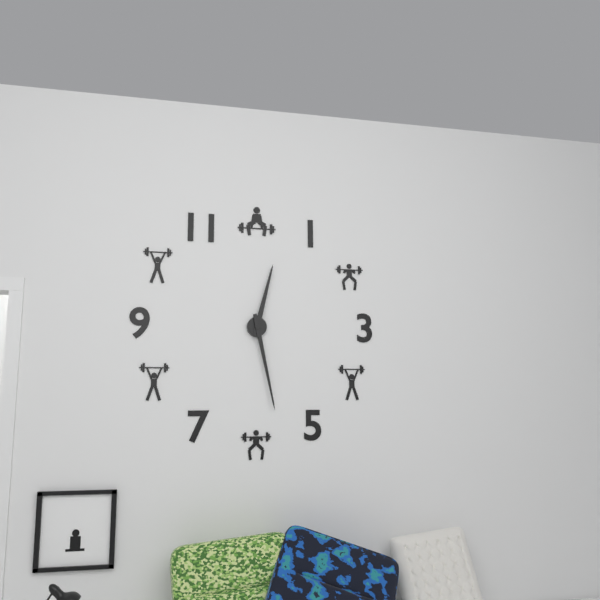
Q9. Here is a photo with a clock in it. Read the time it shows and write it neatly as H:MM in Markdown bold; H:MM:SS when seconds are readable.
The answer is **12:28**
